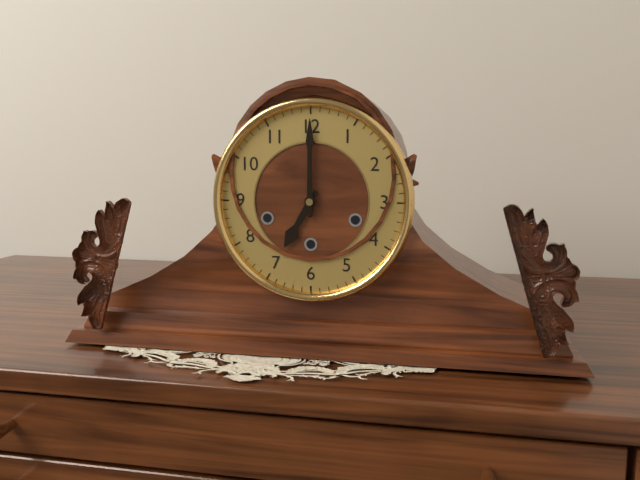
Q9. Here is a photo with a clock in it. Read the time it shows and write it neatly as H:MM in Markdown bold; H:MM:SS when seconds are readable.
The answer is **7:00**
